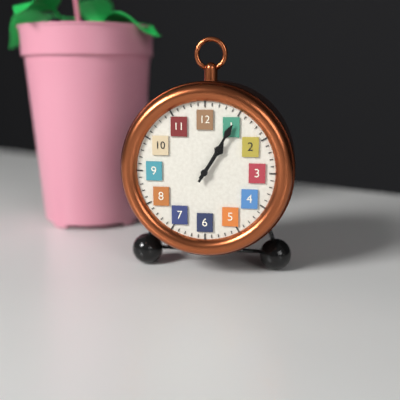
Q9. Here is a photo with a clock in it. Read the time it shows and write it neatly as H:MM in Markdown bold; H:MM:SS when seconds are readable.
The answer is **1:05**
